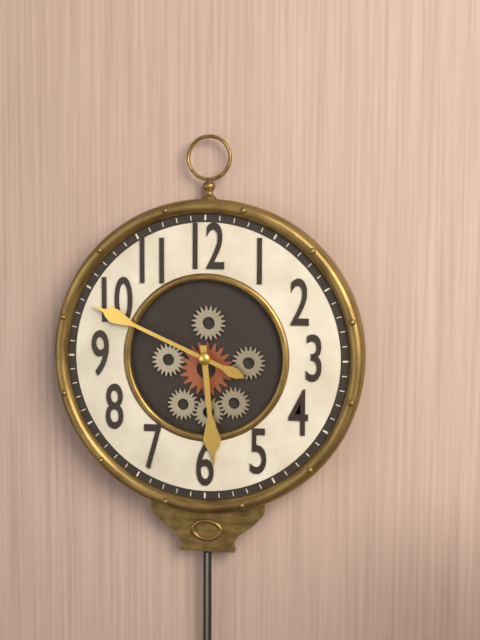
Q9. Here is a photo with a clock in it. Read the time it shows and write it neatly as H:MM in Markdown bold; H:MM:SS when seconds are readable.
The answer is **5:49**
